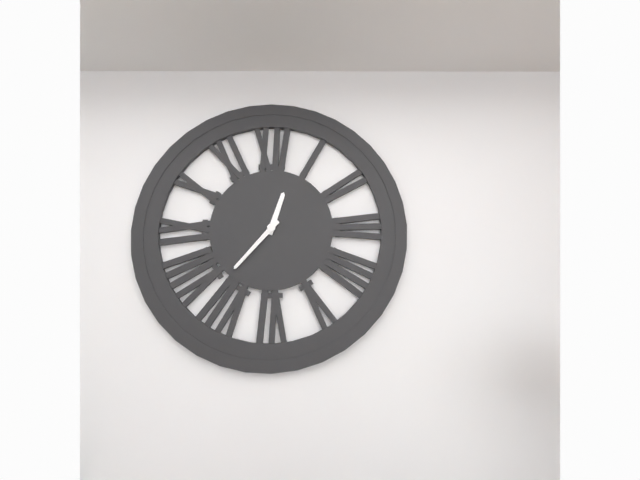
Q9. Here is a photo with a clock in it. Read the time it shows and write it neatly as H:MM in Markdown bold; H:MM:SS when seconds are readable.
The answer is **12:37**
